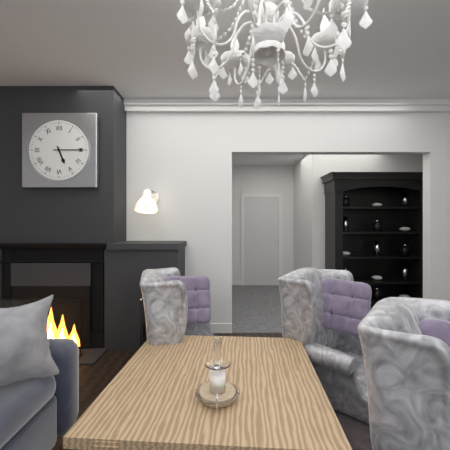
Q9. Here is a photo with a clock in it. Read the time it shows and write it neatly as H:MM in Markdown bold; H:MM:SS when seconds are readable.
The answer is **5:15**
